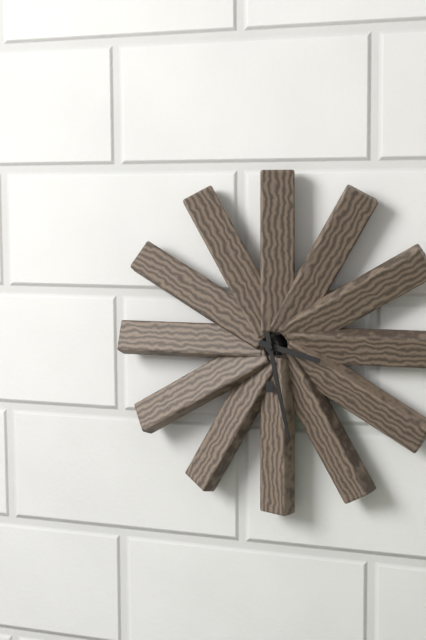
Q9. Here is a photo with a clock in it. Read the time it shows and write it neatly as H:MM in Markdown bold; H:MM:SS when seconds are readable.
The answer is **3:28**
